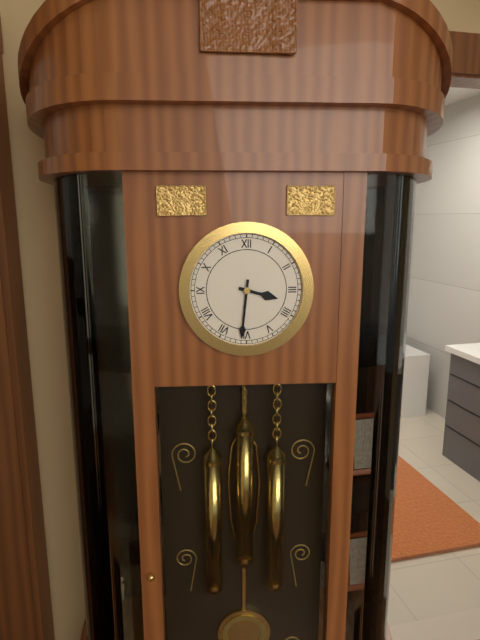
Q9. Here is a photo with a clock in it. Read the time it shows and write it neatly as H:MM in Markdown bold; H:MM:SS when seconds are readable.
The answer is **3:31**
